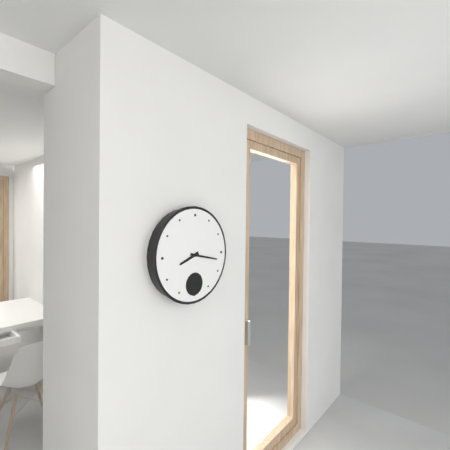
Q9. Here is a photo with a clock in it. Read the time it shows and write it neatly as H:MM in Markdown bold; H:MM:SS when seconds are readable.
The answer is **8:17**
